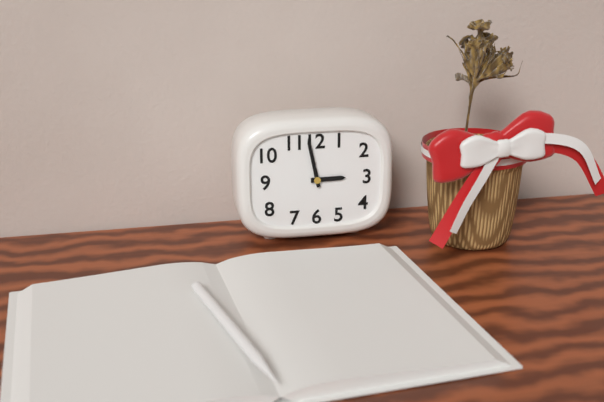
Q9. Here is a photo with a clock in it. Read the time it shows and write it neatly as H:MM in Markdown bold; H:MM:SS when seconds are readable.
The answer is **2:58**
